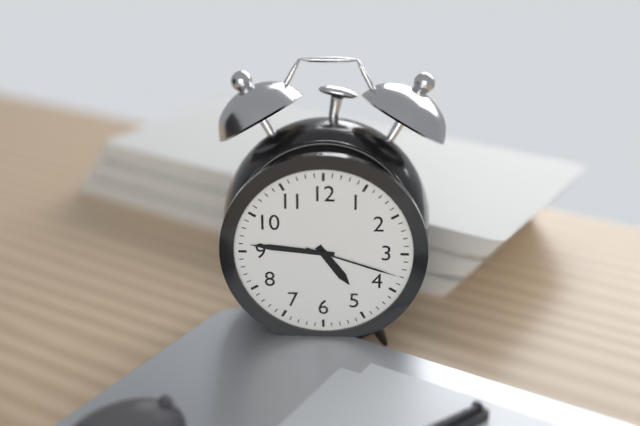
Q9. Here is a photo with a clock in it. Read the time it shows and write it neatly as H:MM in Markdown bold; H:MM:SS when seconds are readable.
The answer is **4:46:18**
